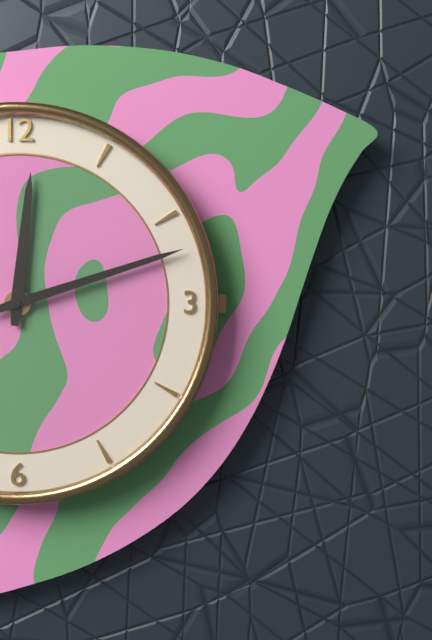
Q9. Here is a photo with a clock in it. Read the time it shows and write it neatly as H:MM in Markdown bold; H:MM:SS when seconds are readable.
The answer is **12:12**
